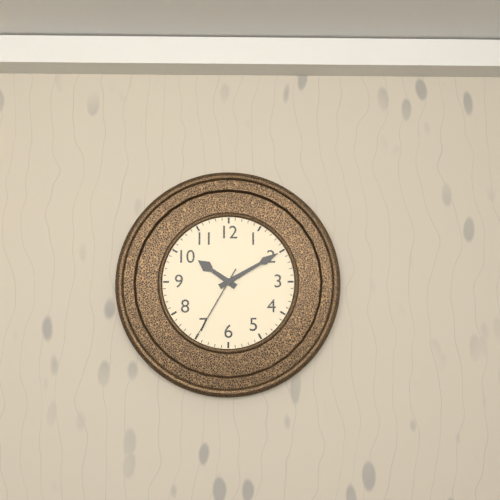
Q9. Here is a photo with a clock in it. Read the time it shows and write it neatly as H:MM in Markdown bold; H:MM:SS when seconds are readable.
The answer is **10:10:35**
